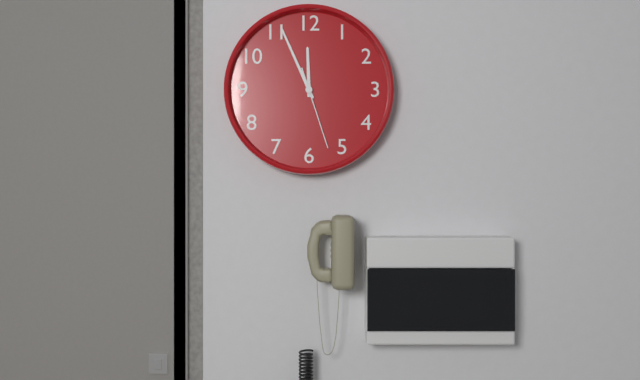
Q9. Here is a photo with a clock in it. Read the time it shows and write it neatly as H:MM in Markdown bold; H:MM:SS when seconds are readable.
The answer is **11:56:27**
